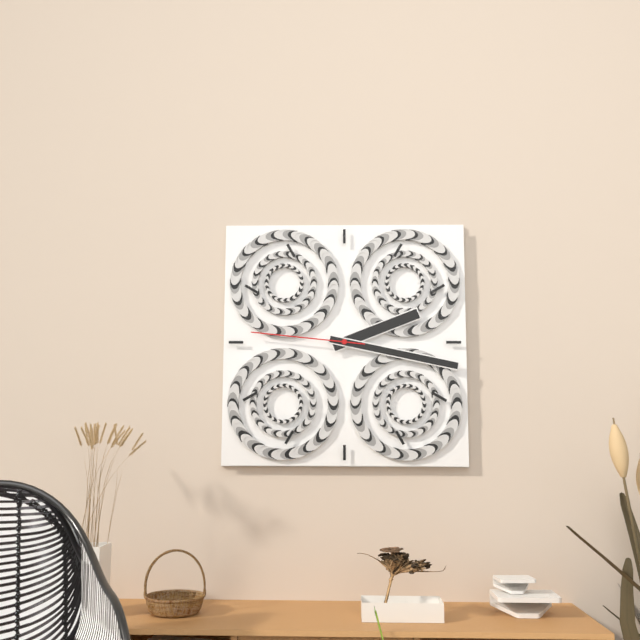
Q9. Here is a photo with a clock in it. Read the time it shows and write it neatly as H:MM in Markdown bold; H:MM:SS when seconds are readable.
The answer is **2:17:46**
